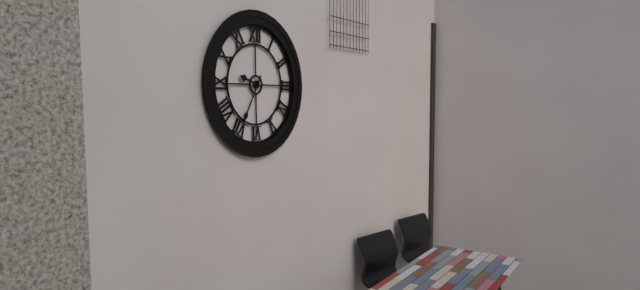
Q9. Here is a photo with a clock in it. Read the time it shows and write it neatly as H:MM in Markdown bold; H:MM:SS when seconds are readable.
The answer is **9:35**
